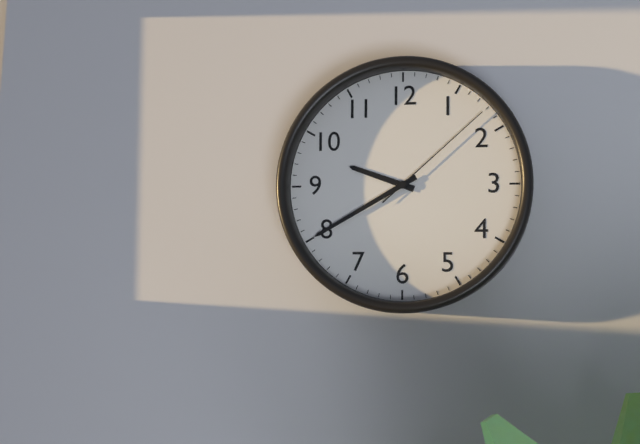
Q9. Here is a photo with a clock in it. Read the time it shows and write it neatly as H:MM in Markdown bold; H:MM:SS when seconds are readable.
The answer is **9:40:08**
